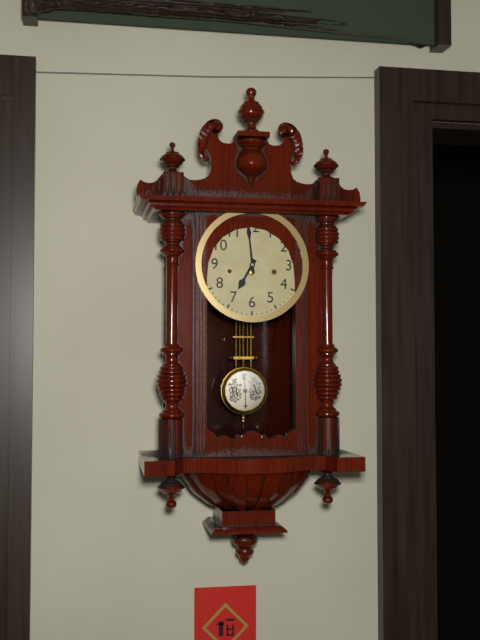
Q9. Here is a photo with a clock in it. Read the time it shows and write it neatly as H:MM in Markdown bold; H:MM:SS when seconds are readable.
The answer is **6:59**
